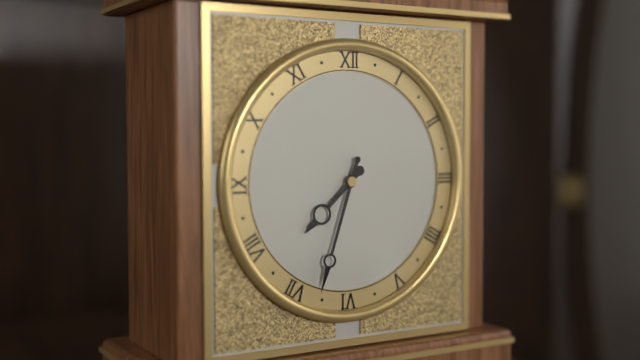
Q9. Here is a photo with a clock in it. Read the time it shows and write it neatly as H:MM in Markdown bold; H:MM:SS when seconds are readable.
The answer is **7:33**
